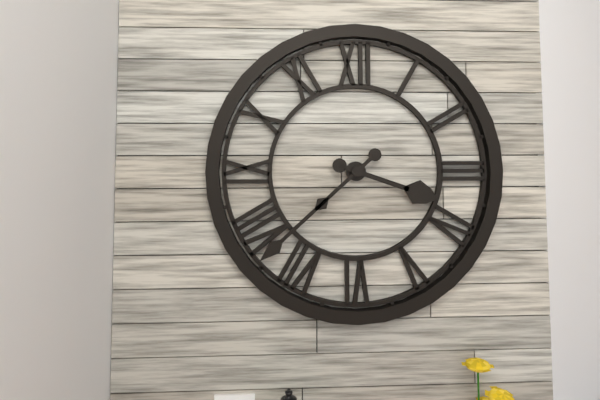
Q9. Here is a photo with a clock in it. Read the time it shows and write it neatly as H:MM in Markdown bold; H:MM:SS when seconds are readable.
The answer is **3:38**
